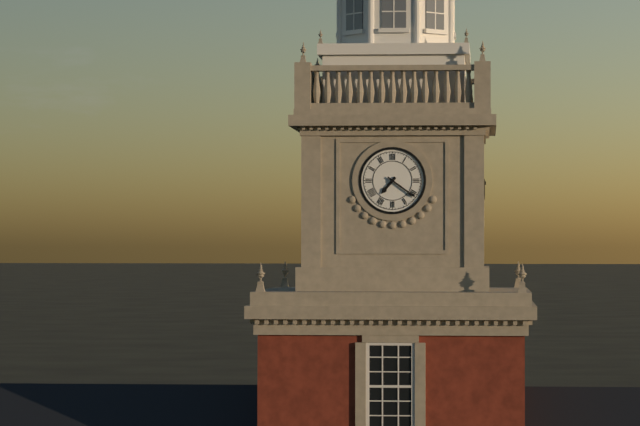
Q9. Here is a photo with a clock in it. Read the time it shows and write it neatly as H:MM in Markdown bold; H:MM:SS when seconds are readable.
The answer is **7:21**
